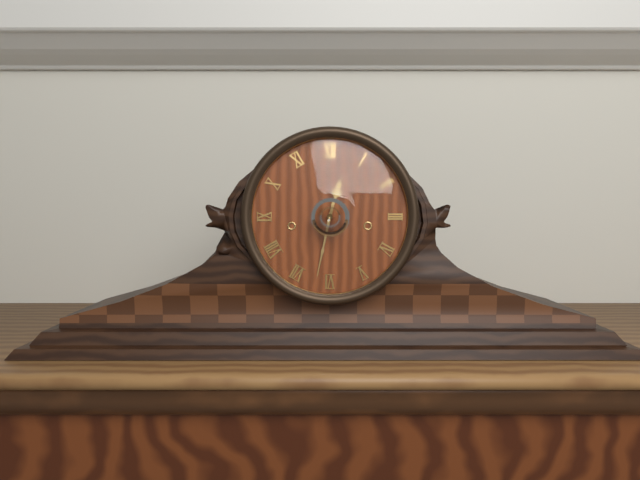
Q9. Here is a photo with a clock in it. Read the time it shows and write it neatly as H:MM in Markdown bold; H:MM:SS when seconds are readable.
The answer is **12:32**
